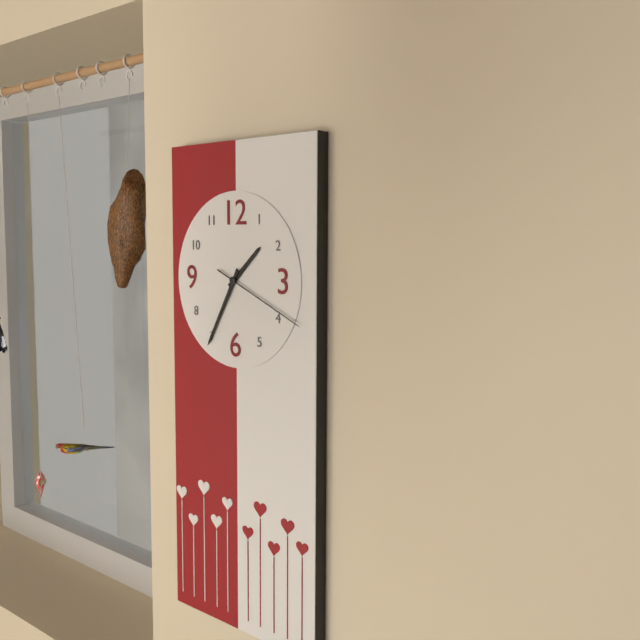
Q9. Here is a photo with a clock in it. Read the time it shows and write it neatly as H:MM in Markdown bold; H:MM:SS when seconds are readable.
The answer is **1:35:19**
